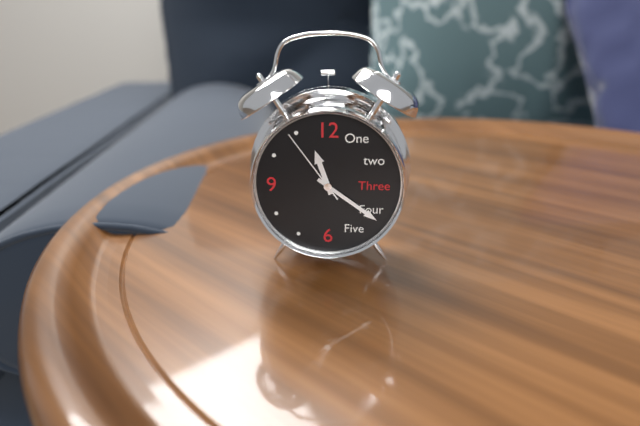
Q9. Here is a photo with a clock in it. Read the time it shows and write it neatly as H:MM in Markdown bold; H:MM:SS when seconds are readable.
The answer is **11:21:54**
